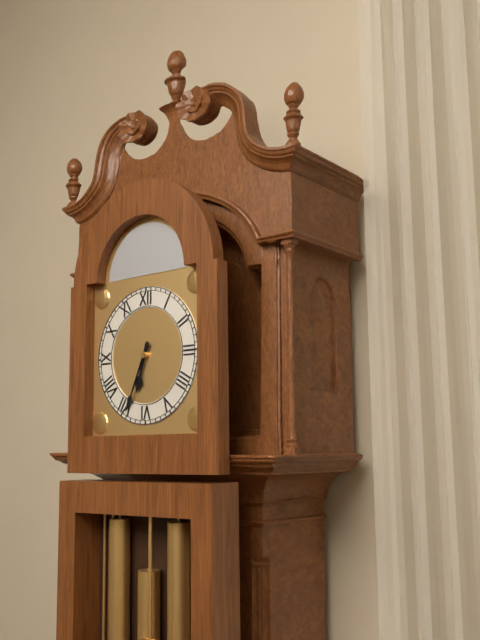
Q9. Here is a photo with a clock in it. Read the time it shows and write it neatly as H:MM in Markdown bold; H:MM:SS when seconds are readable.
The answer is **6:34**
